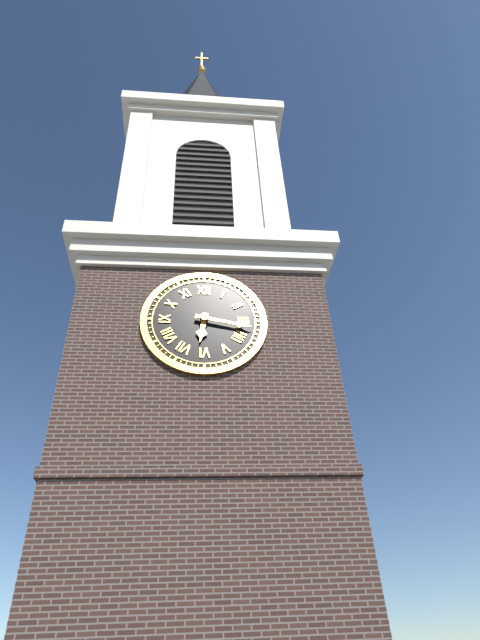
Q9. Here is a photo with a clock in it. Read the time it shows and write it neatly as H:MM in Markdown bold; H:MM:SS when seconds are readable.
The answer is **6:17**
